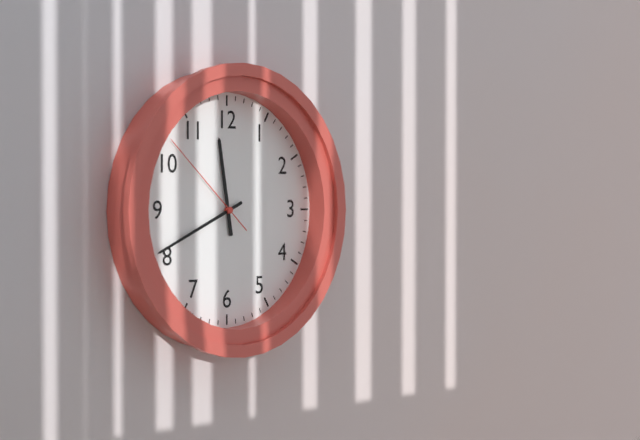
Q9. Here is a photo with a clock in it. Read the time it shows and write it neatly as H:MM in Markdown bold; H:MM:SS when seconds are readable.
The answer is **11:41:52**
